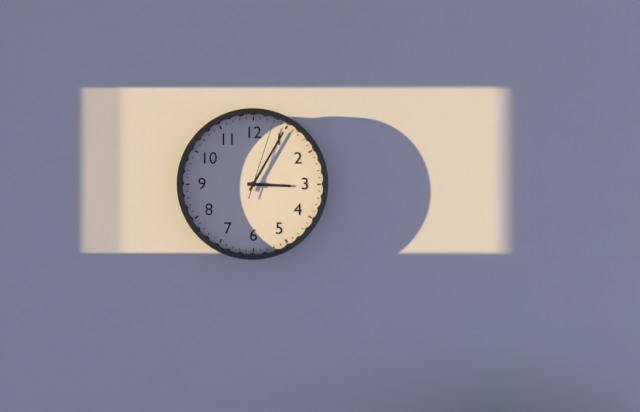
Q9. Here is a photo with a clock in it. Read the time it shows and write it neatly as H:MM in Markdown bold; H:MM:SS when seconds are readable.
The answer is **3:05:03**
